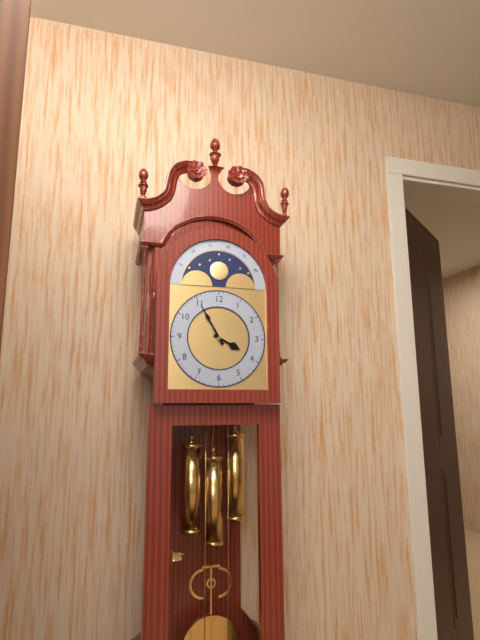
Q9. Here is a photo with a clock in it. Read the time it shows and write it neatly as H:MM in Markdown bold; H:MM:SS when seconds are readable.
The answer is **3:55**
